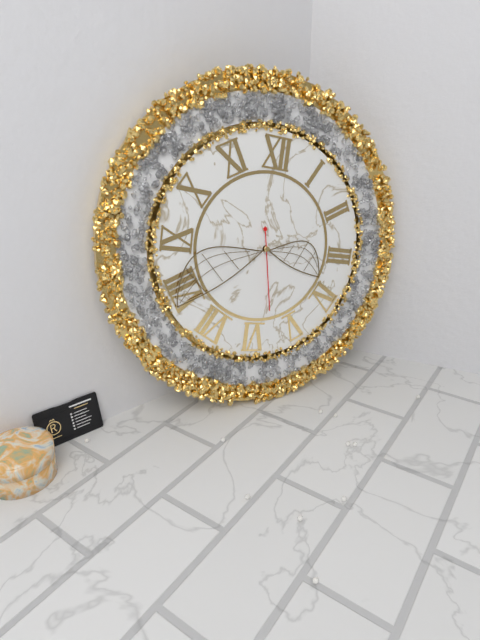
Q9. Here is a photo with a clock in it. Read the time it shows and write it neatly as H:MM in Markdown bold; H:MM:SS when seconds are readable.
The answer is **3:39:28**
